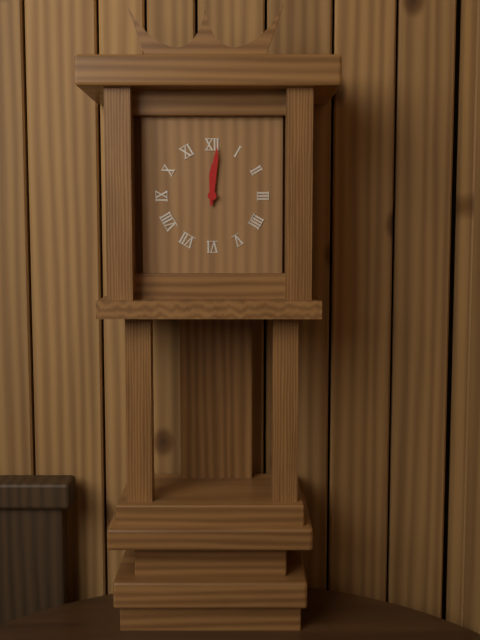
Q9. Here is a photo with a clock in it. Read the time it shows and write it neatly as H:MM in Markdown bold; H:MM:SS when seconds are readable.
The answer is **12:01**
